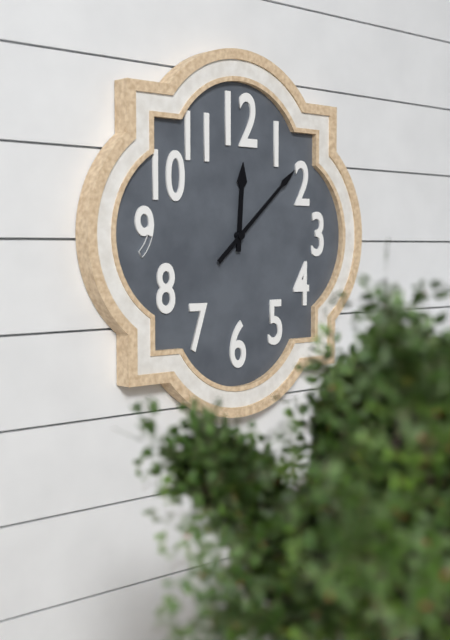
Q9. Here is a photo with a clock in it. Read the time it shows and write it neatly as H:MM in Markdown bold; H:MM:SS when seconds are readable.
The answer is **12:08**
